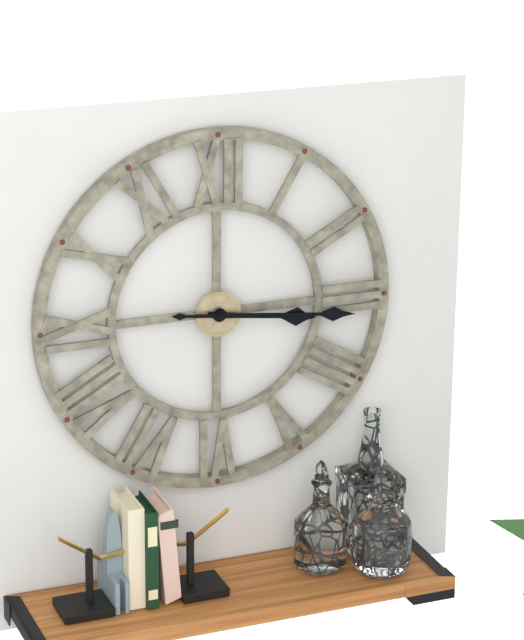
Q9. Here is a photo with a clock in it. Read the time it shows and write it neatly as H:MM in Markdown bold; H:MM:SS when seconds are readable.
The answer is **3:16**
